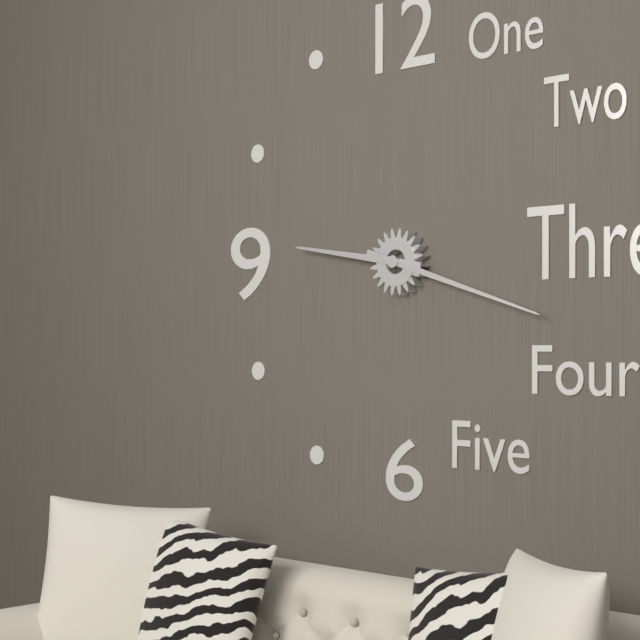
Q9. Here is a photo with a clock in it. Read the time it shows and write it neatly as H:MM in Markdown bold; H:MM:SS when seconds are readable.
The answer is **9:18**
